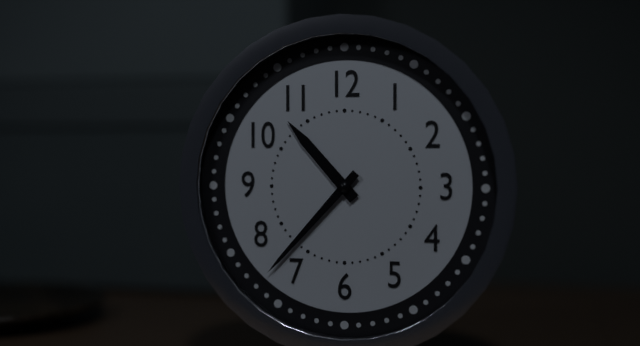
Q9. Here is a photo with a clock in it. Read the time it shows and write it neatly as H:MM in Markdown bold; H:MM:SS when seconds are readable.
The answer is **10:37**
